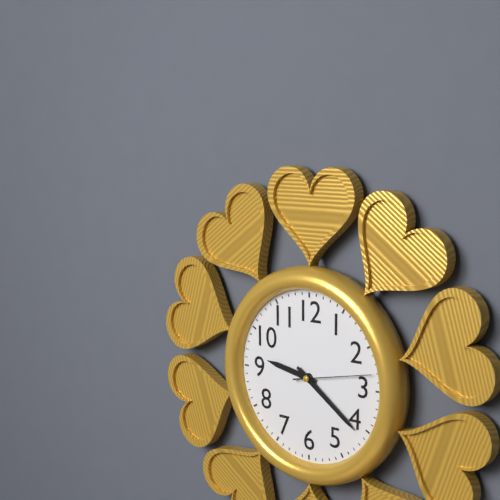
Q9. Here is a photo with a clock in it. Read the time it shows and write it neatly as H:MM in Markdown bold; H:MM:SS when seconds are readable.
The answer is **9:21:13**
